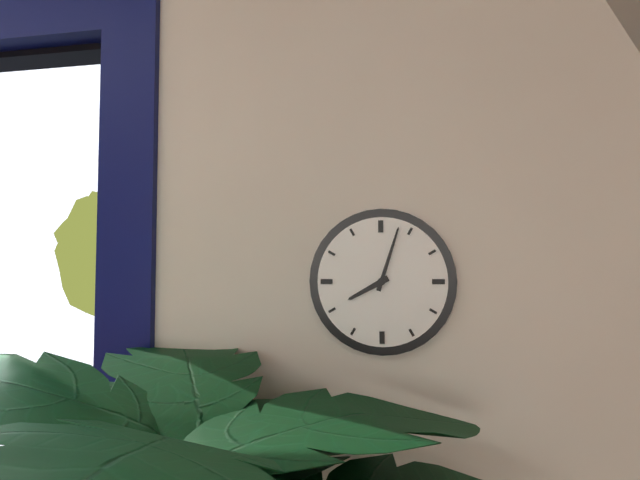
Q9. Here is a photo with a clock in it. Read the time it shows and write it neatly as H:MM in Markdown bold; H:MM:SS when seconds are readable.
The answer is **8:03**
